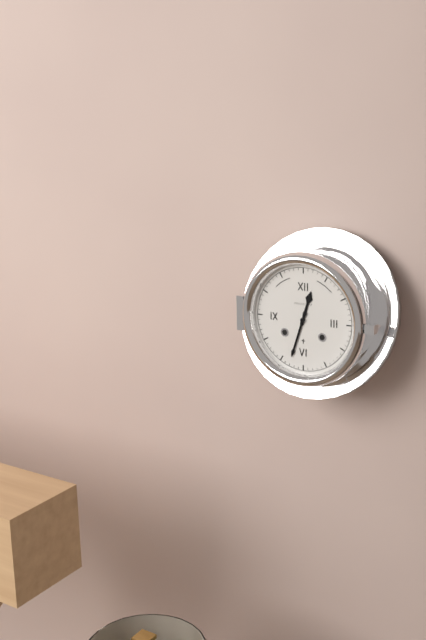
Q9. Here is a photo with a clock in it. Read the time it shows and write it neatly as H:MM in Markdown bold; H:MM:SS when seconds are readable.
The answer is **12:33**
